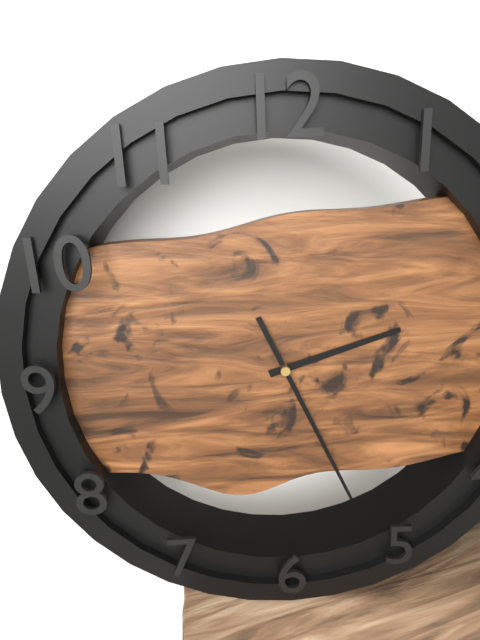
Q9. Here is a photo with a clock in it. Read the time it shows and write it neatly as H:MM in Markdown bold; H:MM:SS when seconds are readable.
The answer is **2:26**
